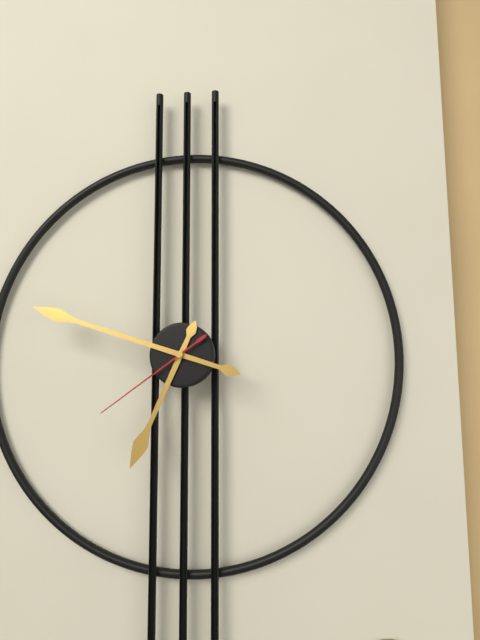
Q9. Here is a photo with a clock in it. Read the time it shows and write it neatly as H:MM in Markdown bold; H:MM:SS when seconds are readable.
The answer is **6:48:39**
